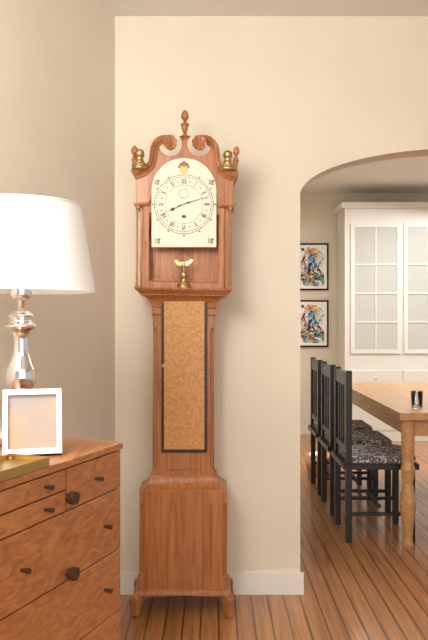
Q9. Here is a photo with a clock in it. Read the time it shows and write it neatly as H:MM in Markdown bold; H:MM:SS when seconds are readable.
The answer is **8:12**
